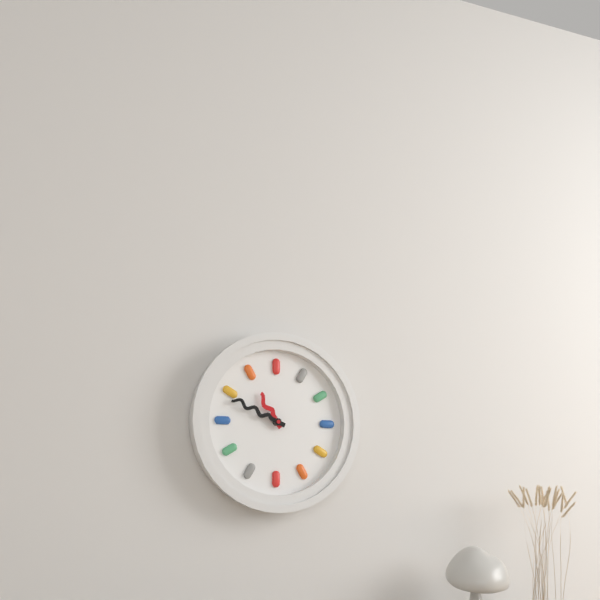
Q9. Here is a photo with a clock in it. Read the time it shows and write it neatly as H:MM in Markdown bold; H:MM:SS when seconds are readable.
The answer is **10:49**
